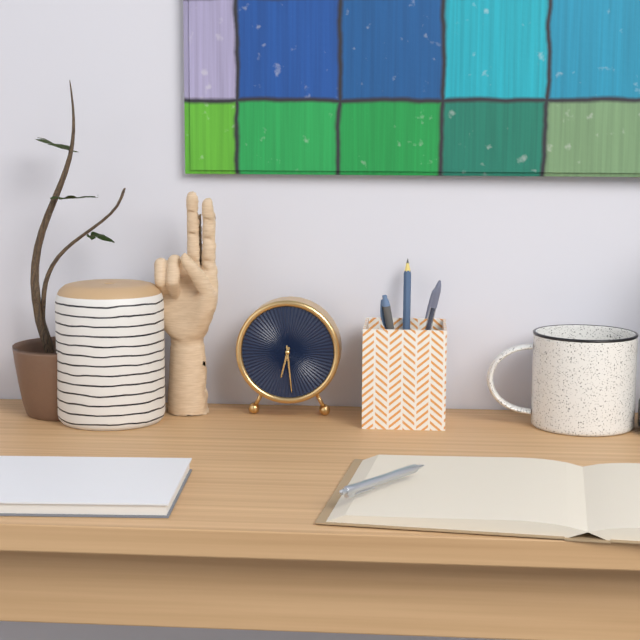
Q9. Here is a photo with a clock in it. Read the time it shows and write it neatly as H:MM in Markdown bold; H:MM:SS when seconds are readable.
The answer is **6:29**
